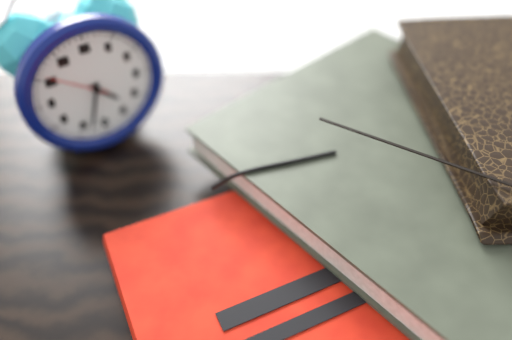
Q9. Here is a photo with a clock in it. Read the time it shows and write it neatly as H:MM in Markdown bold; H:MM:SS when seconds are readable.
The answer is **4:33:51**
